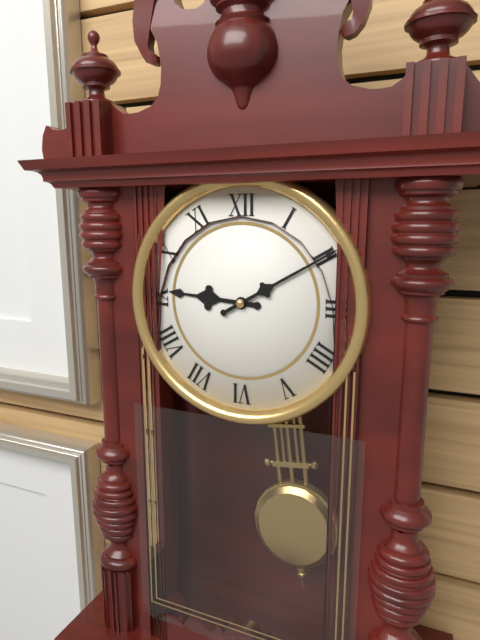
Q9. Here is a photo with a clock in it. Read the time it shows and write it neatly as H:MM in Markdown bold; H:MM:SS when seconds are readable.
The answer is **9:10**
